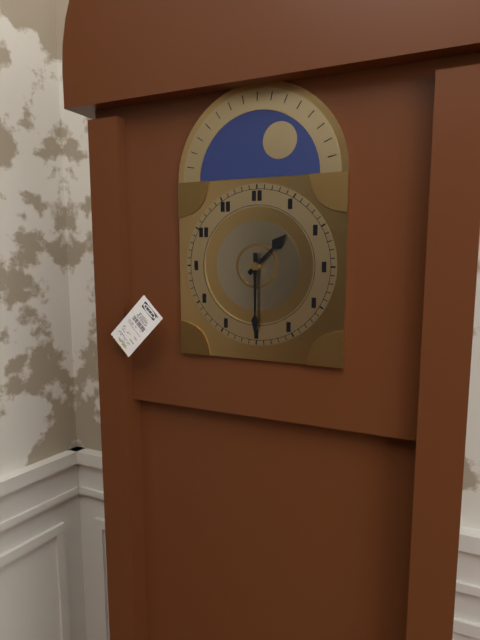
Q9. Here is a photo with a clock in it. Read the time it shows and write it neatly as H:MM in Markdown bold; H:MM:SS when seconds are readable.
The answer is **1:30**
